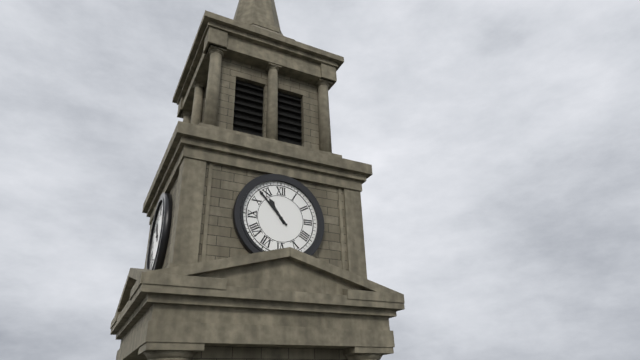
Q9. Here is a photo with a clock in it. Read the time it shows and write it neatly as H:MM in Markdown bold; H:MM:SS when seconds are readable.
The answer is **10:53**
